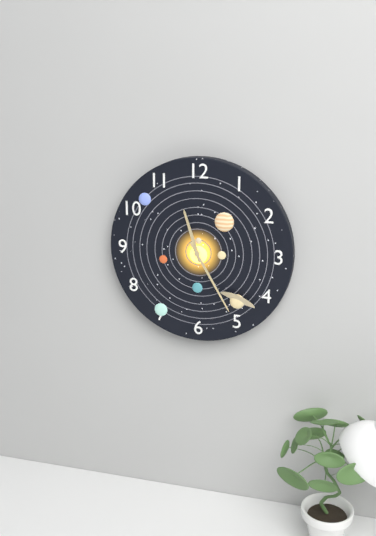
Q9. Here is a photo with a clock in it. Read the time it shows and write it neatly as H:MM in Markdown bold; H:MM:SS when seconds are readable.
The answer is **11:25**
